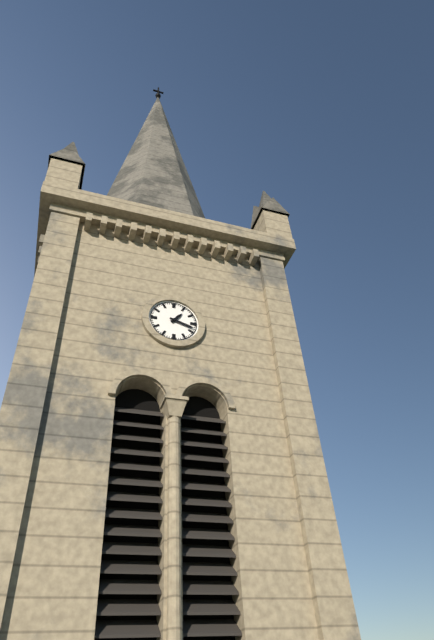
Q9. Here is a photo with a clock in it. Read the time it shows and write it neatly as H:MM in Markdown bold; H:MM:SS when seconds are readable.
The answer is **1:18**
